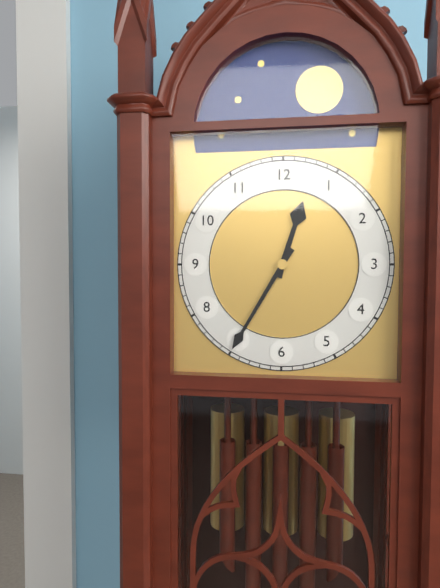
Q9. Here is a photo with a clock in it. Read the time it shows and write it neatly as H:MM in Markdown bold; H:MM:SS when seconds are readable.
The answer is **12:35**
